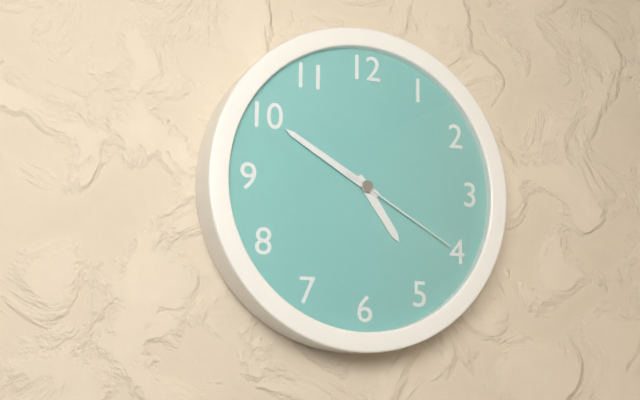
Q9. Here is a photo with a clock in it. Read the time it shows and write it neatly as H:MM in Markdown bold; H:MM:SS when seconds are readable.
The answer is **4:50:20**
